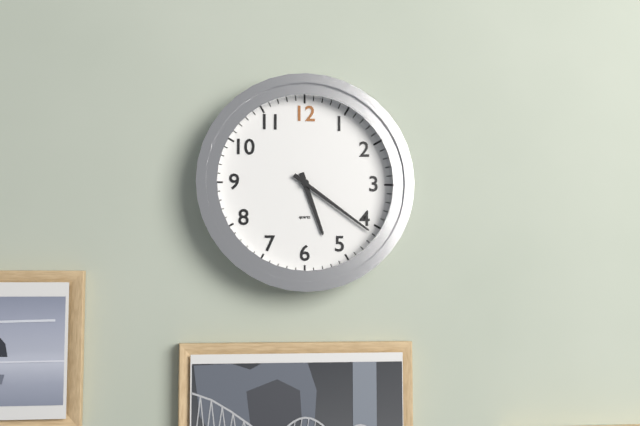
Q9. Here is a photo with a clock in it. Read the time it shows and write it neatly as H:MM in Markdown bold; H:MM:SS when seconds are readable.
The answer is **5:21**
